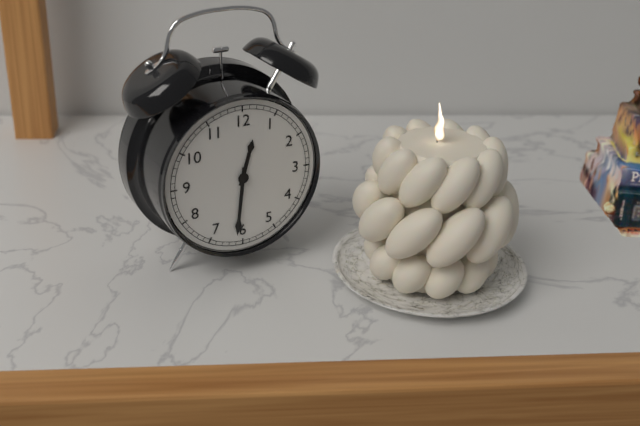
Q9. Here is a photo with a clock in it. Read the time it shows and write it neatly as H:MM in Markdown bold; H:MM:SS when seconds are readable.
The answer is **12:31**
